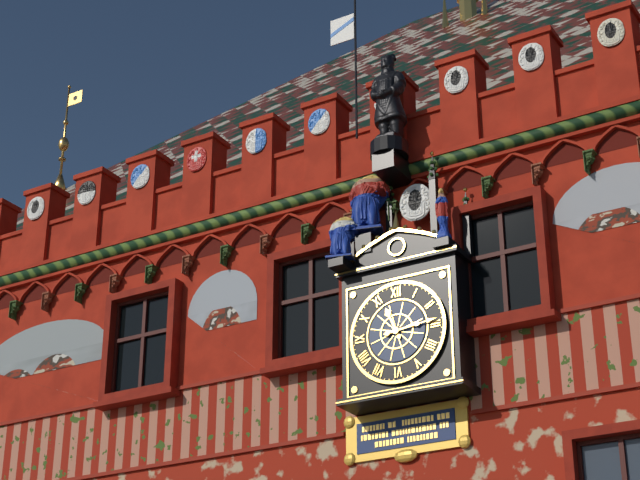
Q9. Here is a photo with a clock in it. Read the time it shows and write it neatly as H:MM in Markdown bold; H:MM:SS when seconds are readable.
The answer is **11:14**
